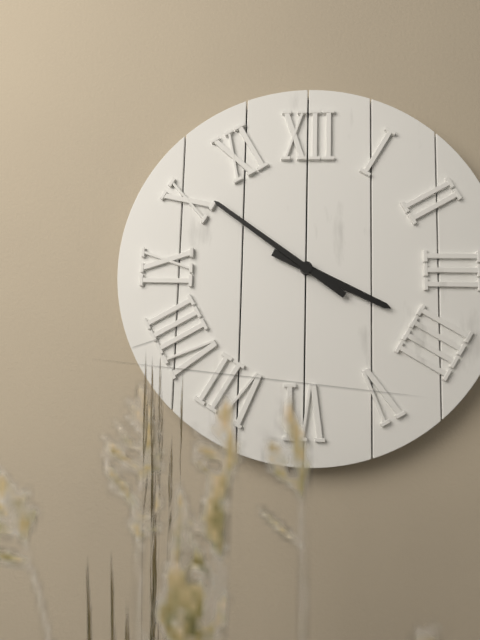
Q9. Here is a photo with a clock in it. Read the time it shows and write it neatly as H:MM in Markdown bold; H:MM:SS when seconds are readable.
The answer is **3:51**
